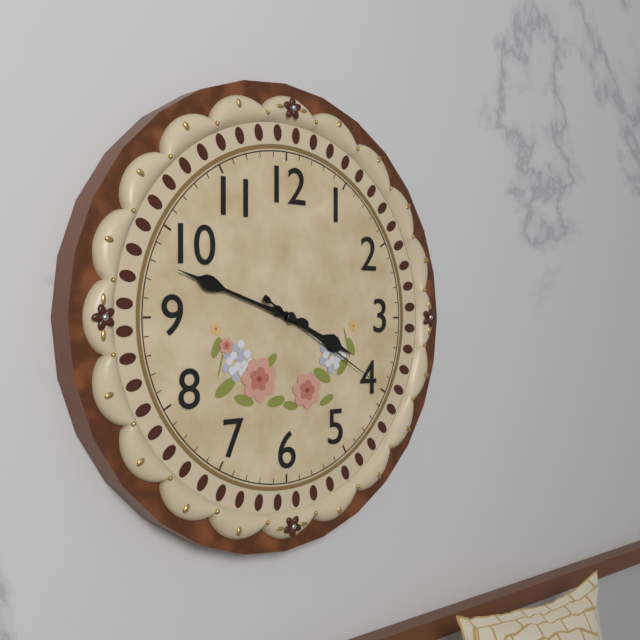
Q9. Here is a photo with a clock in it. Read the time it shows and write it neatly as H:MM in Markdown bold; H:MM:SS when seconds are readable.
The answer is **3:48:20**
